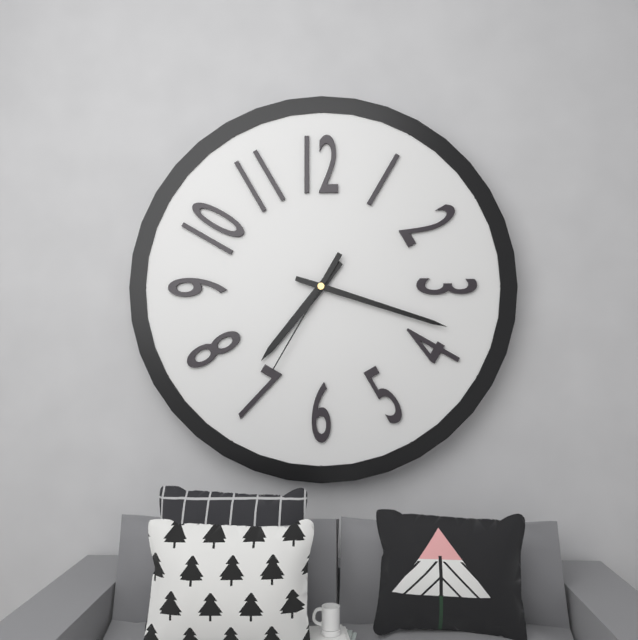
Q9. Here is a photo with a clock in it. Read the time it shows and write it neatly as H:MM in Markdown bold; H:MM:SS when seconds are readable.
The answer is **7:18:35**
